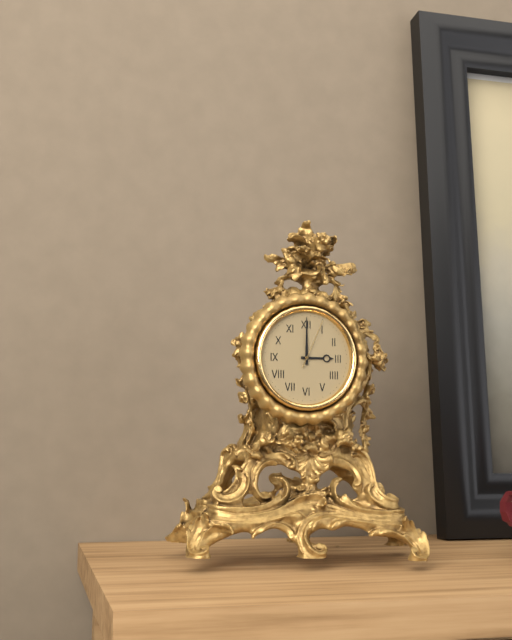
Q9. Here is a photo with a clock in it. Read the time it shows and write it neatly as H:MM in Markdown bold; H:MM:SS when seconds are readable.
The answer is **3:00:04**
